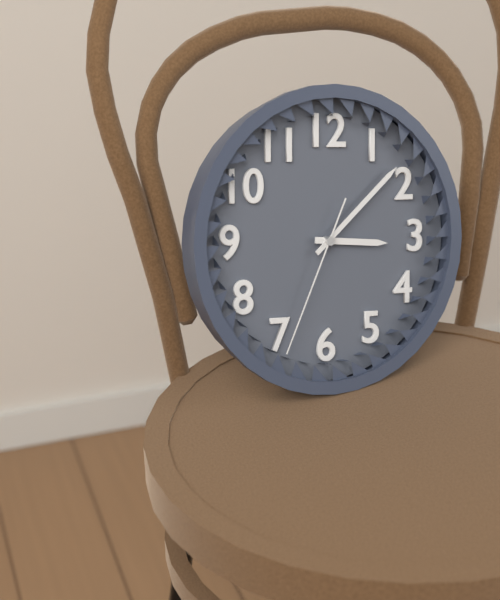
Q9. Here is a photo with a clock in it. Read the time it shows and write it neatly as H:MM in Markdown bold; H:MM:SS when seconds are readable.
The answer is **3:08:34**
